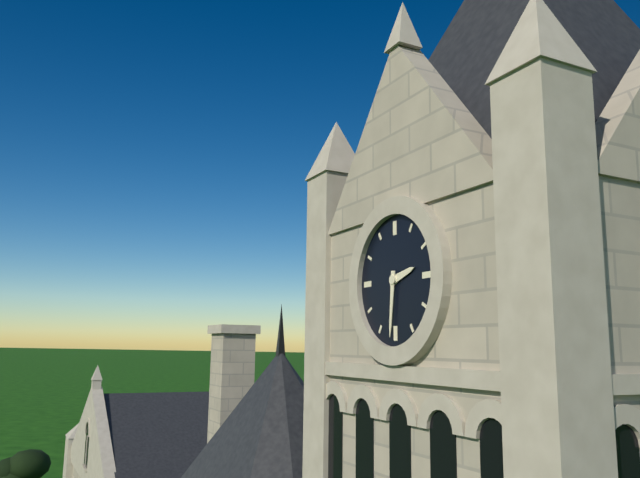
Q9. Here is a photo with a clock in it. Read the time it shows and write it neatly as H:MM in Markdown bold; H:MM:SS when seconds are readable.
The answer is **2:31**
